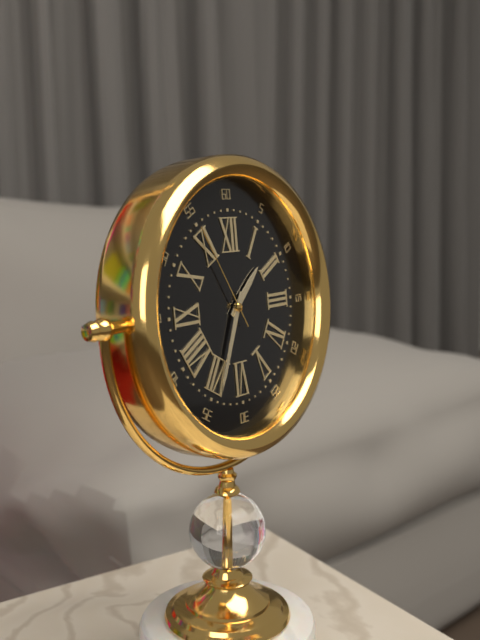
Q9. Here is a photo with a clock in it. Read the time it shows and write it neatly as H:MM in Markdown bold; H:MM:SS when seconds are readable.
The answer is **1:34:55**
